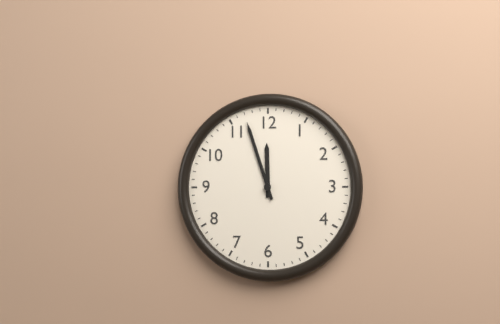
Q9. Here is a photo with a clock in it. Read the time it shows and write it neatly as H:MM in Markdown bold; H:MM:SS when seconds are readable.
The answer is **11:57**
